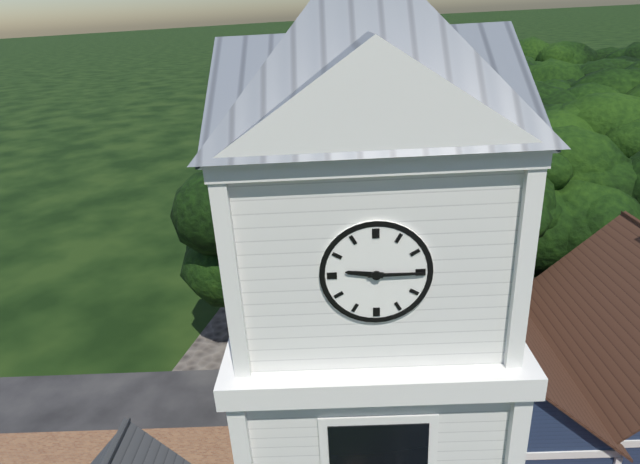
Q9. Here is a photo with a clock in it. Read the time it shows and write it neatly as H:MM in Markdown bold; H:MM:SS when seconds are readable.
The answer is **9:15**
